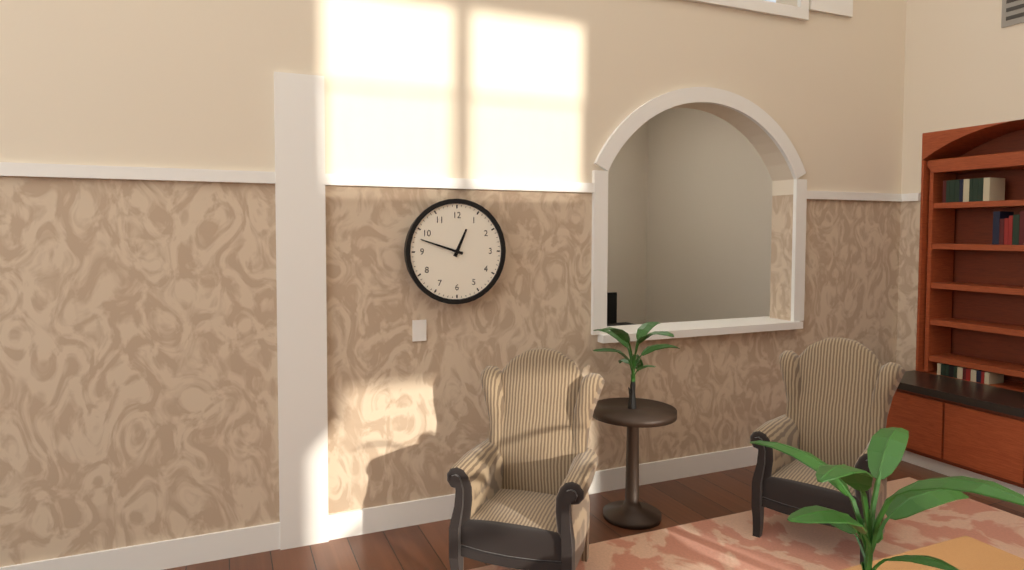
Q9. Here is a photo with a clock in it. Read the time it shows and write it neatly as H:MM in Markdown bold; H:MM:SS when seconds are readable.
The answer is **12:48**
